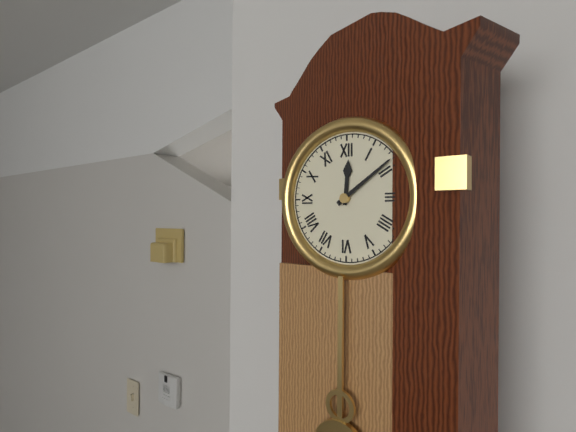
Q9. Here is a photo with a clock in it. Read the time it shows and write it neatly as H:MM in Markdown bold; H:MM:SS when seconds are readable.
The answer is **12:09**
